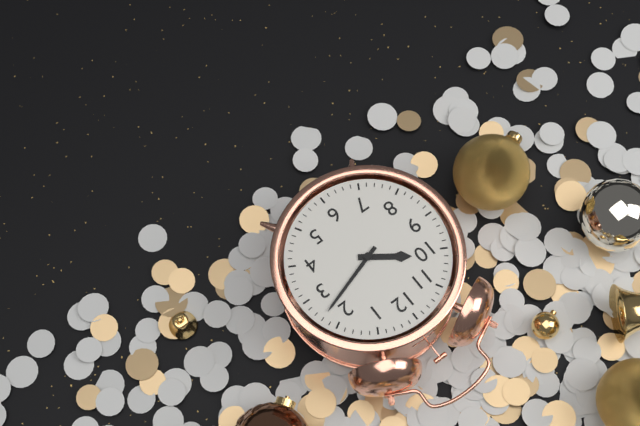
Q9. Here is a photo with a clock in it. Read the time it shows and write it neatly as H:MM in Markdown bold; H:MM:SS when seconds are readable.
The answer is **10:12**
